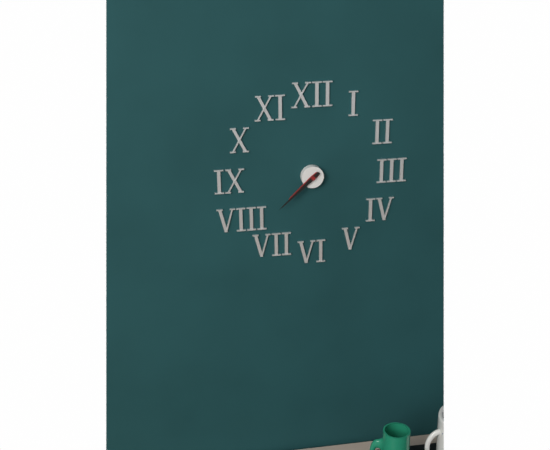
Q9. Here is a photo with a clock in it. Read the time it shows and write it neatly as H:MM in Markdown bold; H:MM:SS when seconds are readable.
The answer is **7:38**
